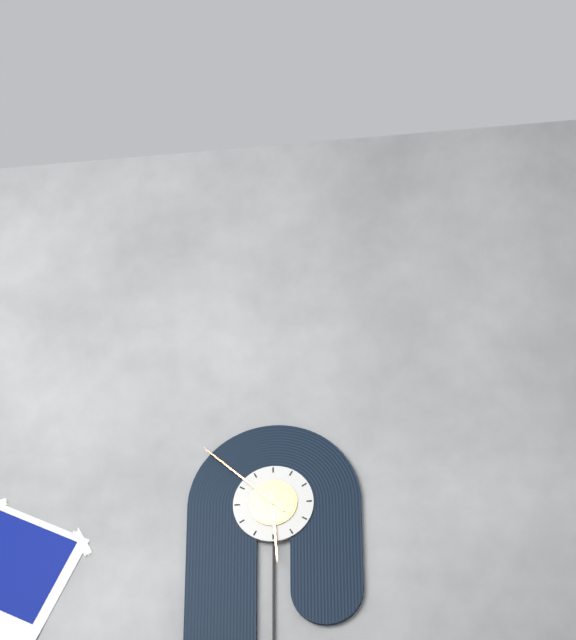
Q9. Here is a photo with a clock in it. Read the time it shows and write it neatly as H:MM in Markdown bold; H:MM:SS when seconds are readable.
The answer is **5:52**
